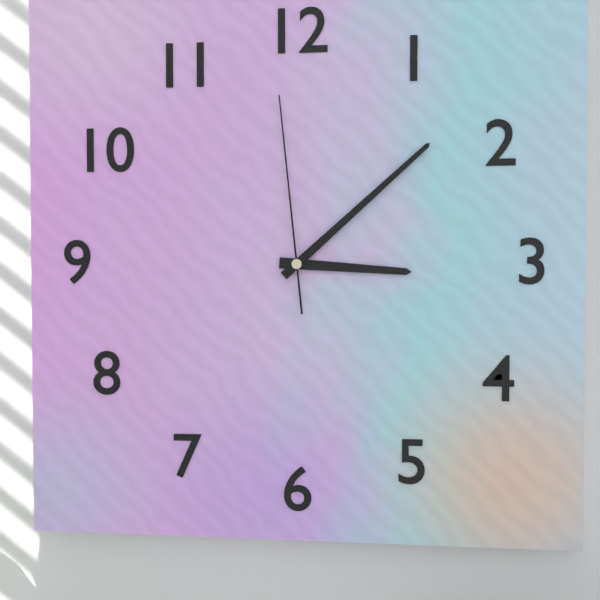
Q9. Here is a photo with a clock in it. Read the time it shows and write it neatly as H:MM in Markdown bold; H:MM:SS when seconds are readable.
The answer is **3:08:59**
